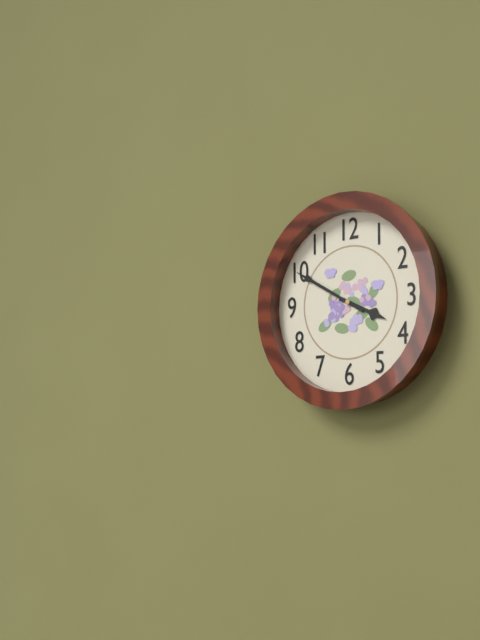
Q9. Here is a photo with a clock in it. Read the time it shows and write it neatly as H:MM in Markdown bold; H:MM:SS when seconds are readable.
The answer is **3:50**
